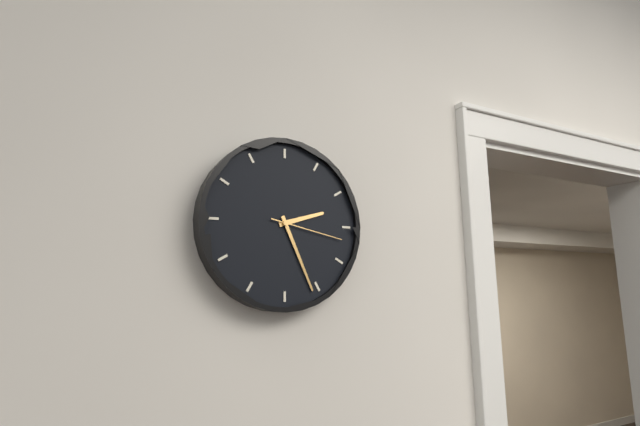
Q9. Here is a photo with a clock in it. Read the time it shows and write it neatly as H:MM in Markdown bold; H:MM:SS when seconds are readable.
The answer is **2:26:17**
